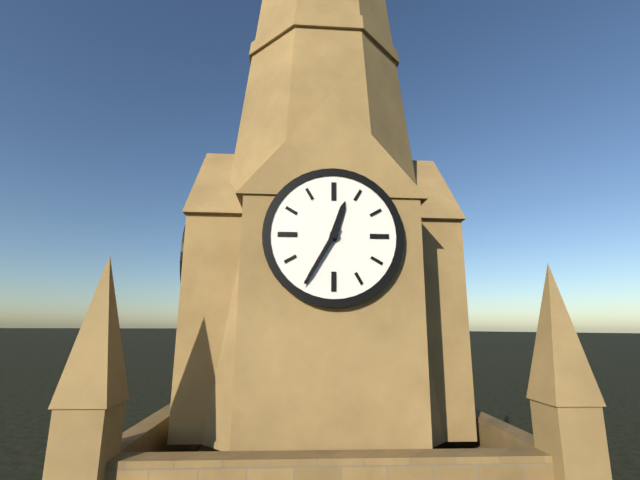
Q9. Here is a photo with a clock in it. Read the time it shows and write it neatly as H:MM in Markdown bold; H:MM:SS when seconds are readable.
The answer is **12:35**
